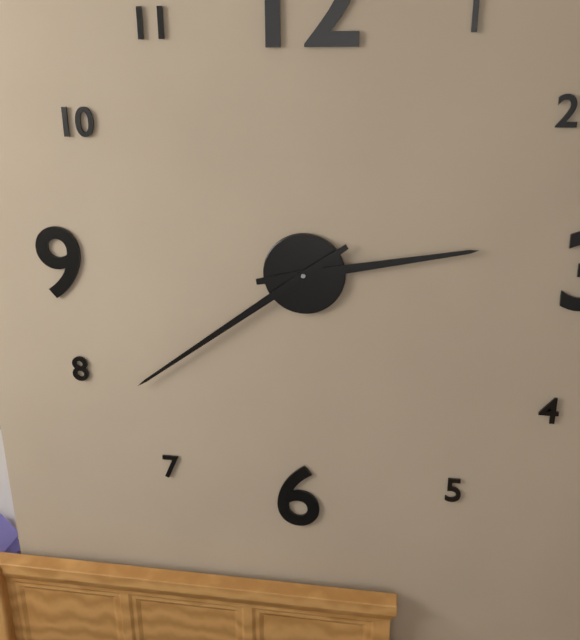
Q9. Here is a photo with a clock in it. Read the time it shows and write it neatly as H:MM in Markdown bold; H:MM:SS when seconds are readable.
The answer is **2:39**
